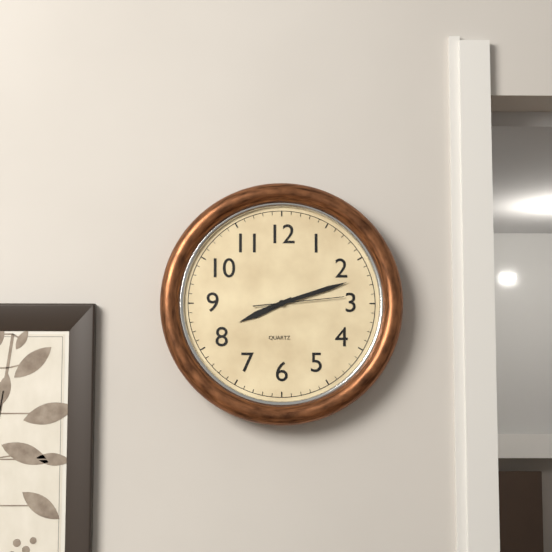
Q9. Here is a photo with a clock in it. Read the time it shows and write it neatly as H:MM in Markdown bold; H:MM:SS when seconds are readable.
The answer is **8:12:14**
